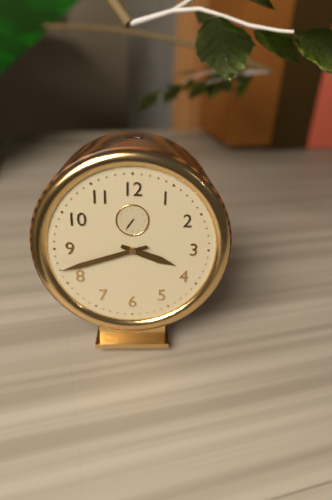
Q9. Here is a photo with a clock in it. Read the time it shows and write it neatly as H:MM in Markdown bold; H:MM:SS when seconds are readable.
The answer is **3:42**
